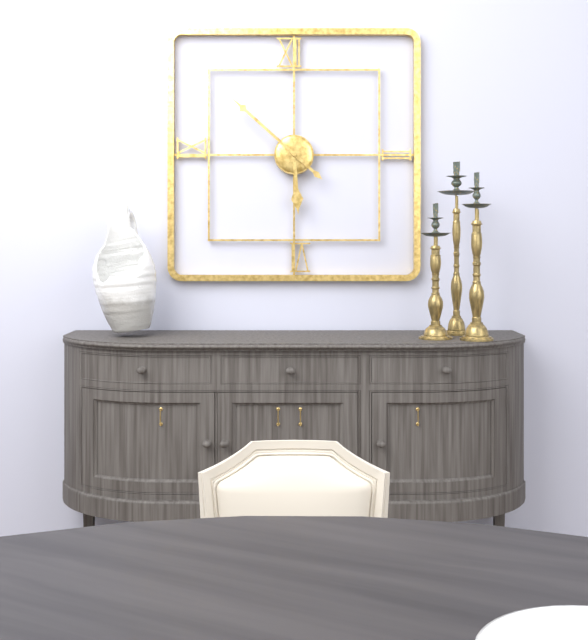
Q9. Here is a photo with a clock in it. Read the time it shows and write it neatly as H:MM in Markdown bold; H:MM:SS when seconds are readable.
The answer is **5:52**
